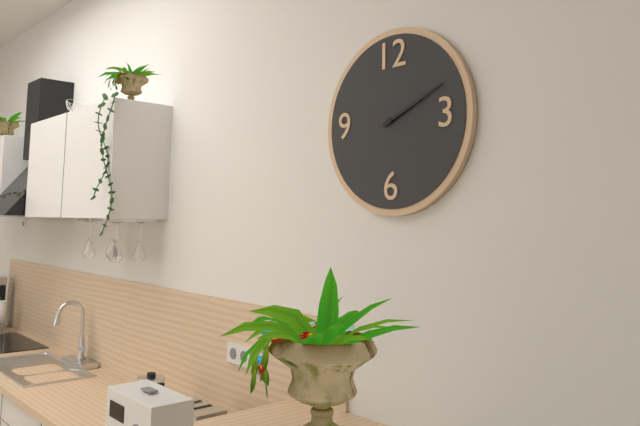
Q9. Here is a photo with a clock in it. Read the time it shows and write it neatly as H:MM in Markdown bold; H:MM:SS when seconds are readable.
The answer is **2:11**
